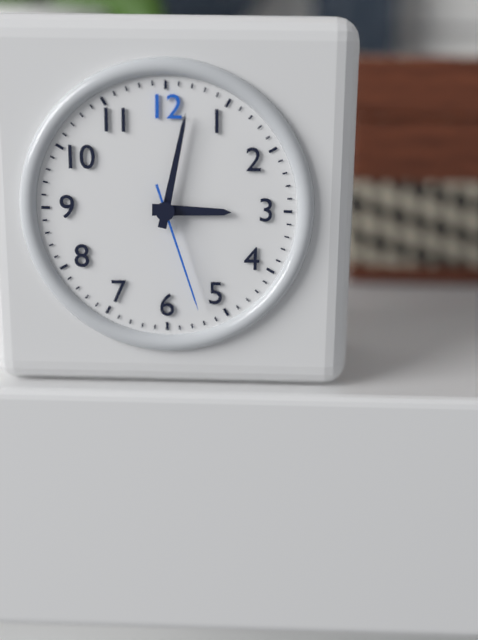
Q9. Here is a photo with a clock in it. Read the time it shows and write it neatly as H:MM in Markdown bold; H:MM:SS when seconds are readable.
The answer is **3:02:27**
